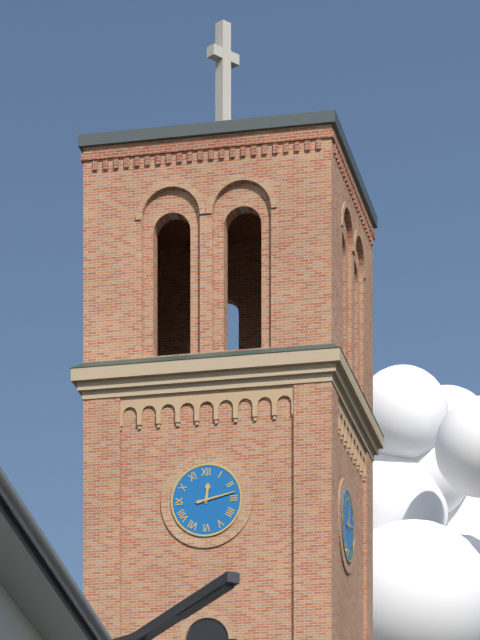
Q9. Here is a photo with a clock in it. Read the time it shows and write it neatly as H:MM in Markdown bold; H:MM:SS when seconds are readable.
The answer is **12:13**
